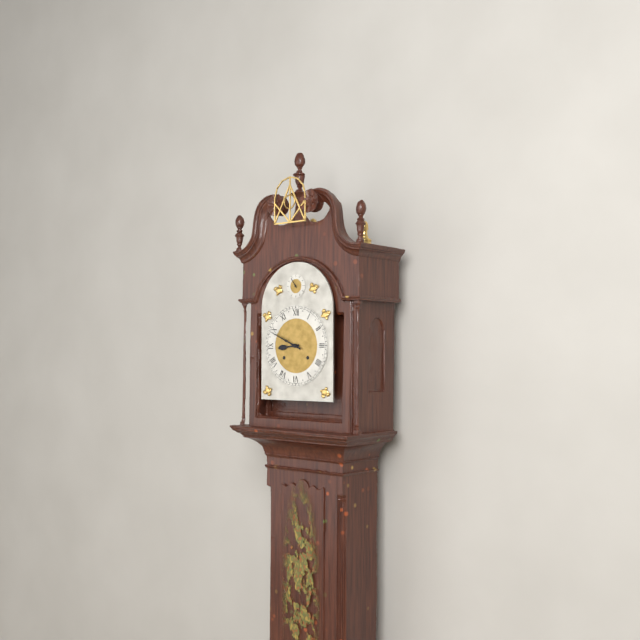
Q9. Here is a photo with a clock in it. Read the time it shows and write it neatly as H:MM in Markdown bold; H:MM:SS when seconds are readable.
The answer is **8:49**
